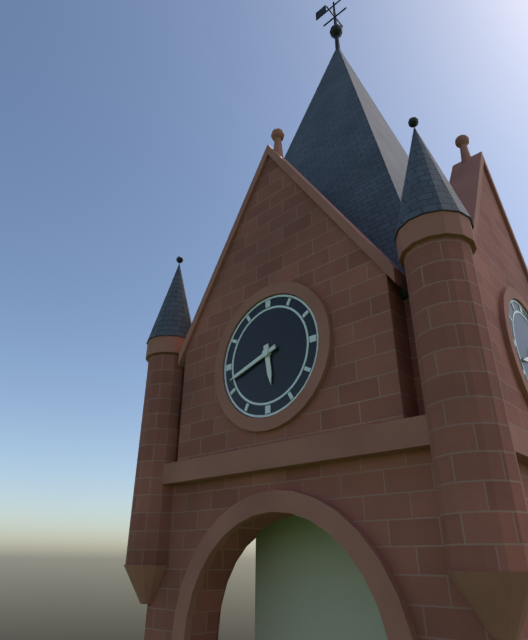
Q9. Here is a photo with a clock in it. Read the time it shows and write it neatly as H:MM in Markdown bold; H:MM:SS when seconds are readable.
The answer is **5:42**
